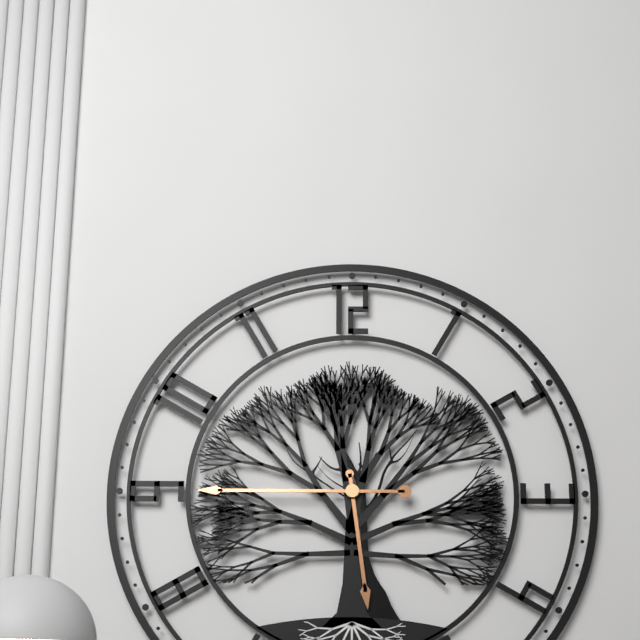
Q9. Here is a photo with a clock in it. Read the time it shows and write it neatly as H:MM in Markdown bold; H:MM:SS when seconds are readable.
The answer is **5:45**
